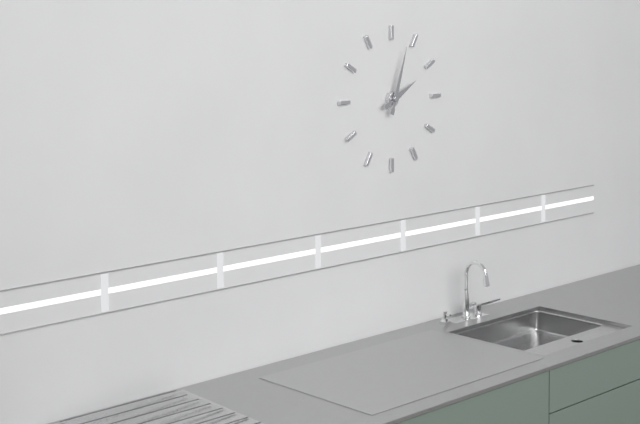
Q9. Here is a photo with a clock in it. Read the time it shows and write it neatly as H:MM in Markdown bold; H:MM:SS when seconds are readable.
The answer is **2:03**
